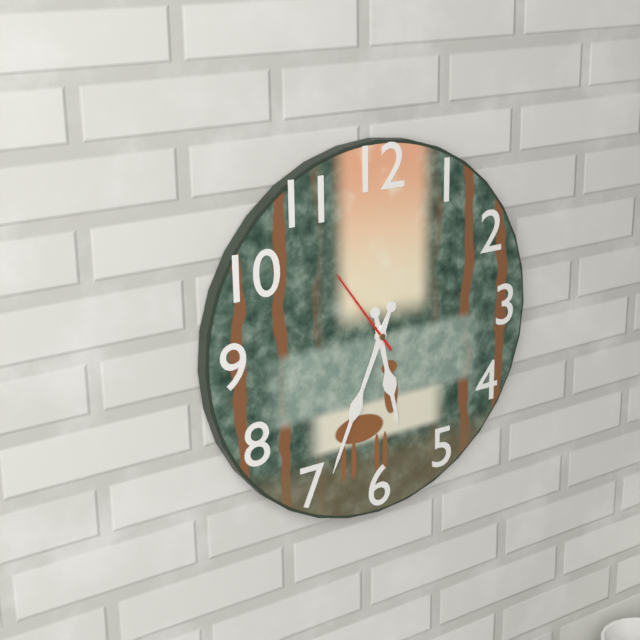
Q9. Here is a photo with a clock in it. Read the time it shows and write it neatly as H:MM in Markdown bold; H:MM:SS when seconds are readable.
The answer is **5:34:54**
